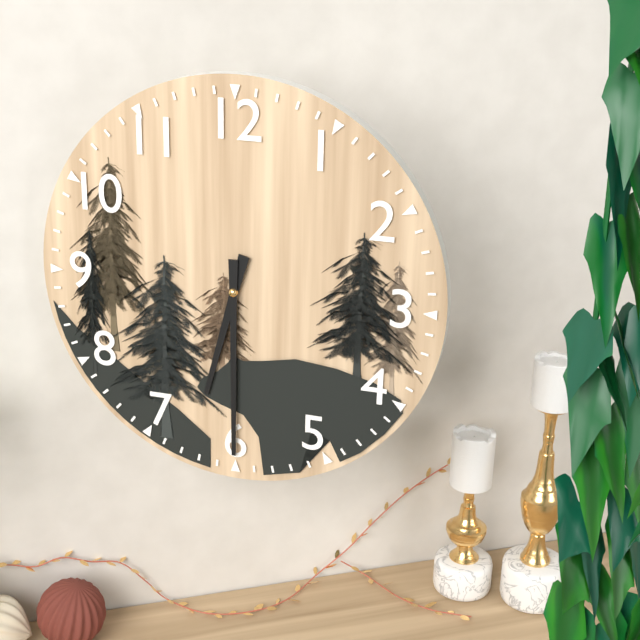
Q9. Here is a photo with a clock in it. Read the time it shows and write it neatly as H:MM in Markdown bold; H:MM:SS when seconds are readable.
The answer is **6:30**
